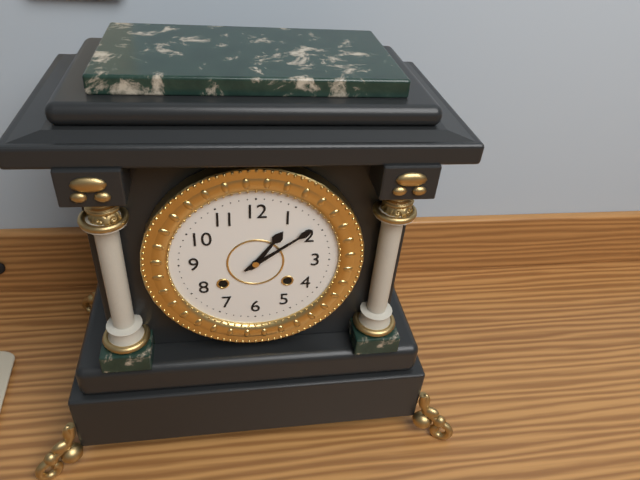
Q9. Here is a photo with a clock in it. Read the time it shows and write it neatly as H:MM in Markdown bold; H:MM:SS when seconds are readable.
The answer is **1:09**
